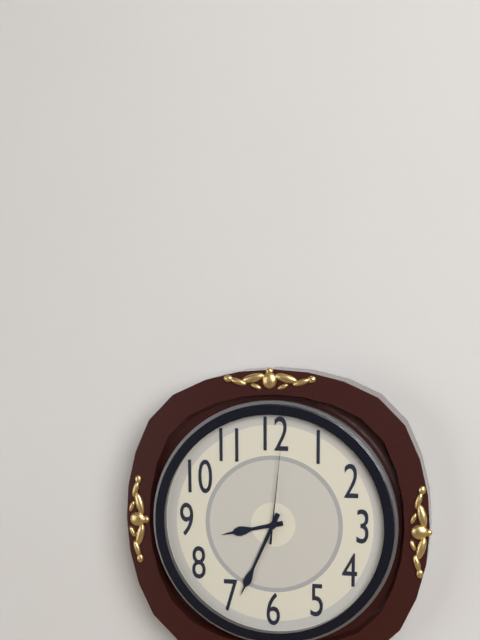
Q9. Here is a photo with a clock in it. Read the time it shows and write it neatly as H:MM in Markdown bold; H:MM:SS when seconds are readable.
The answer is **8:34:01**
